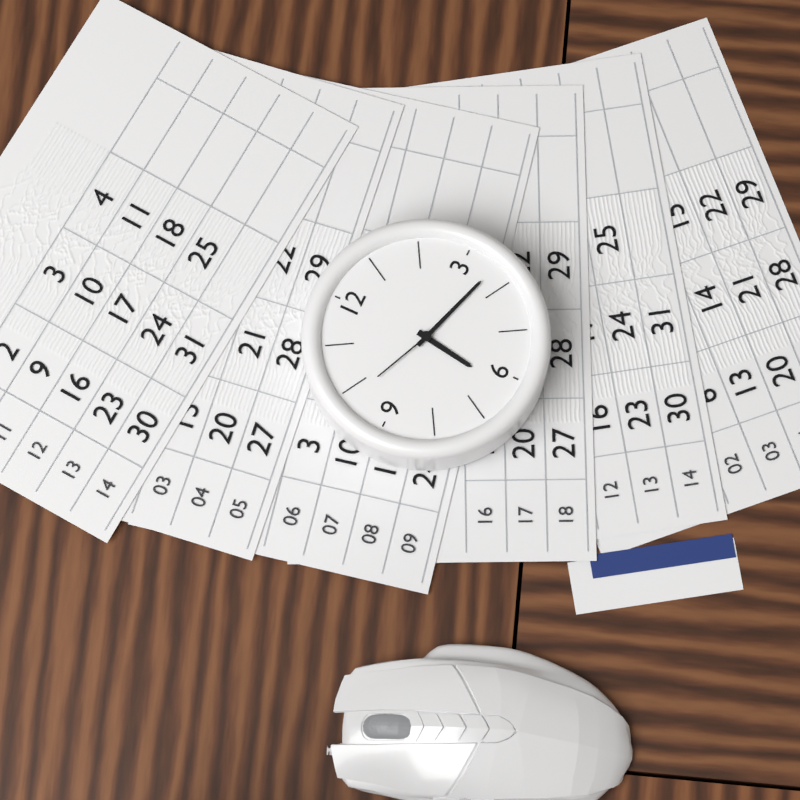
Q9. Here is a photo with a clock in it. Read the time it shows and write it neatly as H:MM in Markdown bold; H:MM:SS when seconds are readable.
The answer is **6:18:49**
